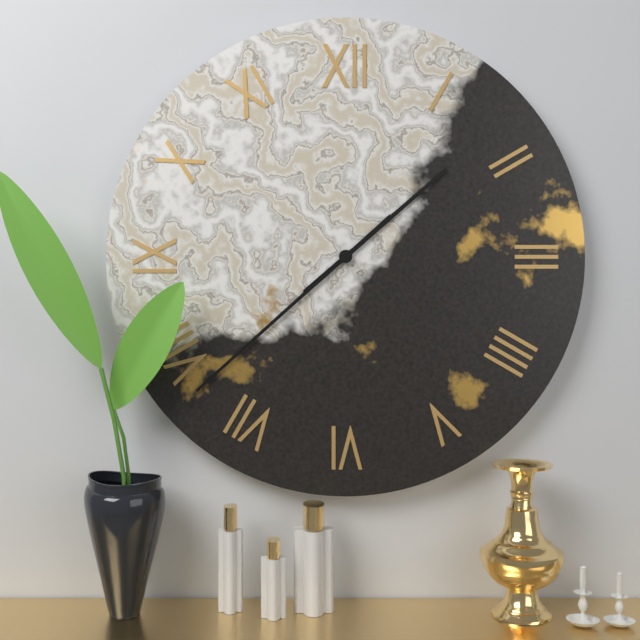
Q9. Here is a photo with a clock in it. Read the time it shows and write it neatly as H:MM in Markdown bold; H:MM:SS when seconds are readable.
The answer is **1:38**
